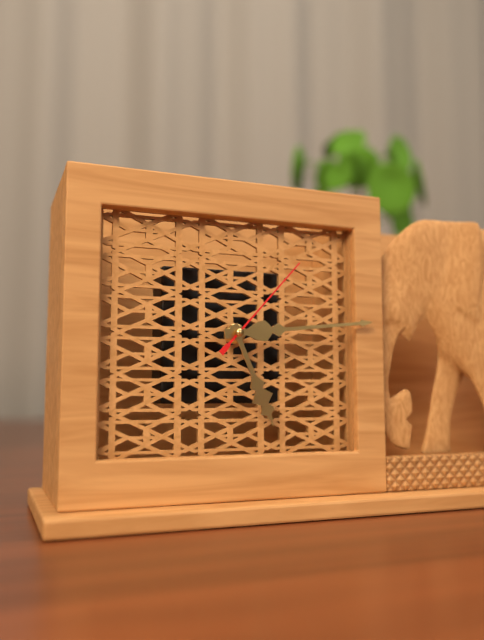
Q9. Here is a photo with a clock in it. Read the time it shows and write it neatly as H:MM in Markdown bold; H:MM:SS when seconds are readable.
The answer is **5:14:07**
